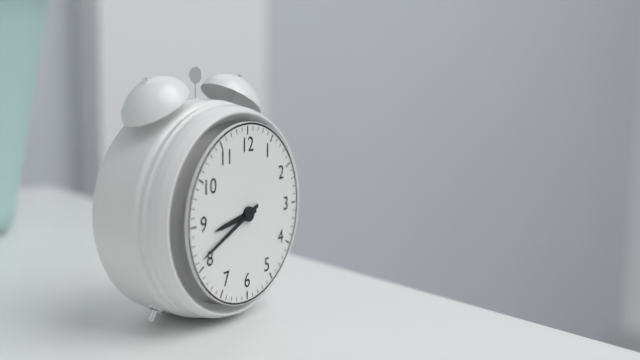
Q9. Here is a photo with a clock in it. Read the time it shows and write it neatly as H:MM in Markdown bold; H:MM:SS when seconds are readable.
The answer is **8:41**
